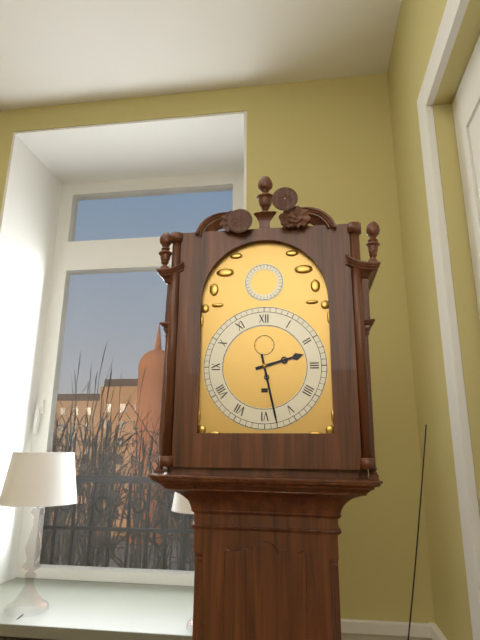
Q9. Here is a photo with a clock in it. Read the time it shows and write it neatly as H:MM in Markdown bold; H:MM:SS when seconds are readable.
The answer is **2:28**
